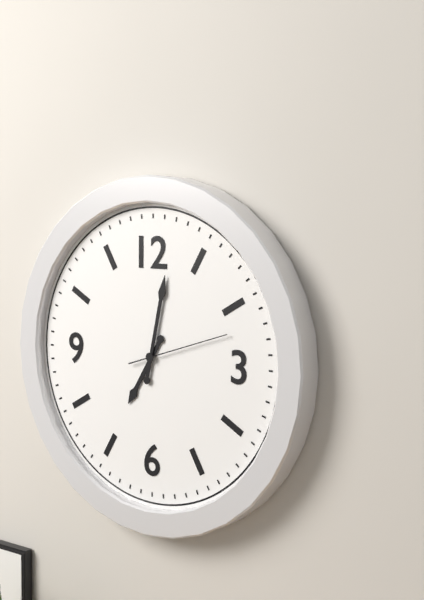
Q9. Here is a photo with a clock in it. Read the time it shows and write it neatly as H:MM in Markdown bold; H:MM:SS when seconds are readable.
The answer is **7:02:12**
